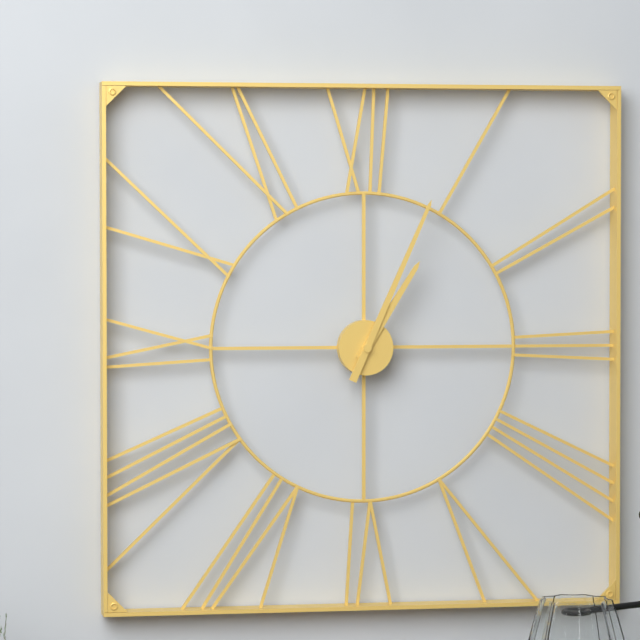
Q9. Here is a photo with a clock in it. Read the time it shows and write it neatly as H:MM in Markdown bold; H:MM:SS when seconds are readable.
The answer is **1:04**
